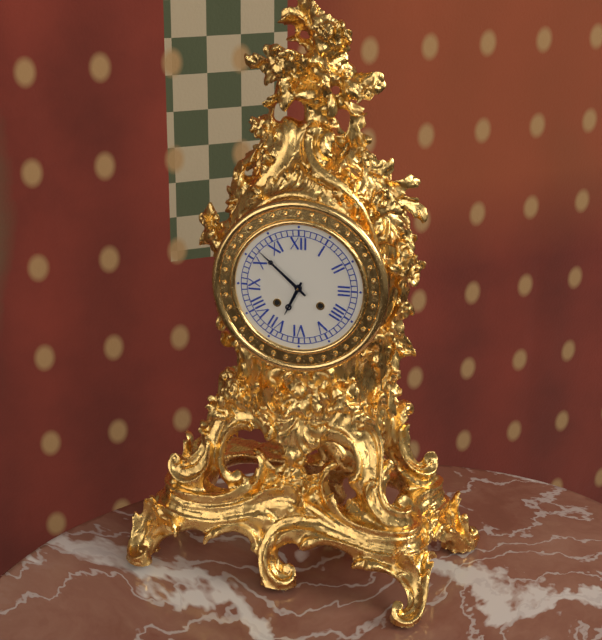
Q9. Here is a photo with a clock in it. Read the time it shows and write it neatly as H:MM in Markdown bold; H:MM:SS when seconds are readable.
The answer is **6:52**
